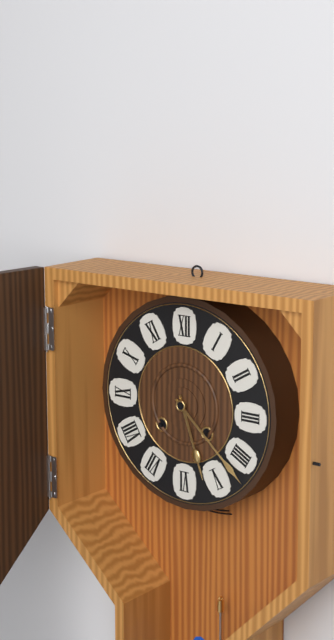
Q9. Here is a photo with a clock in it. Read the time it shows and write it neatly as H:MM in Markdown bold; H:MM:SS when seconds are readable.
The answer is **5:22**
